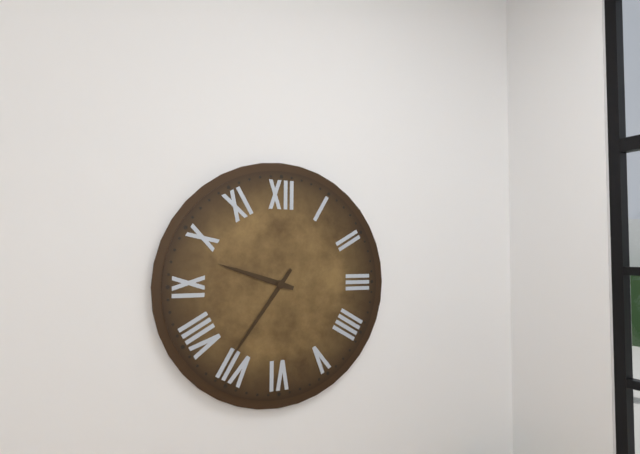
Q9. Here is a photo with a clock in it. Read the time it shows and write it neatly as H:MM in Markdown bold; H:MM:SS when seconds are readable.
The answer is **9:36**
